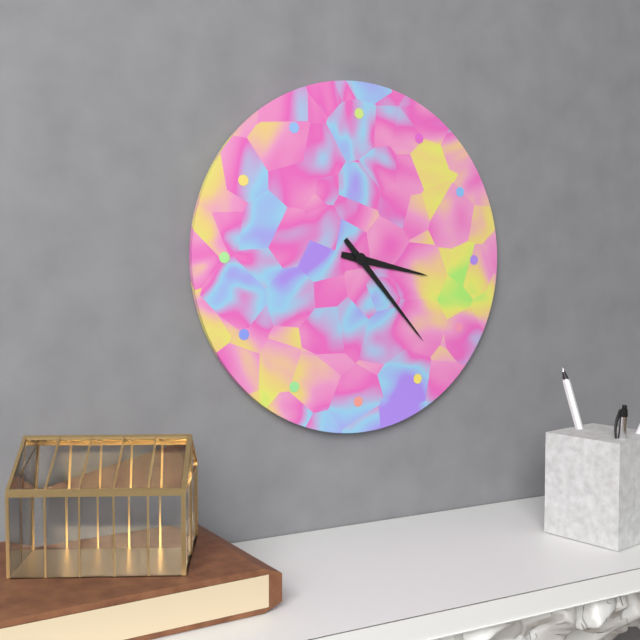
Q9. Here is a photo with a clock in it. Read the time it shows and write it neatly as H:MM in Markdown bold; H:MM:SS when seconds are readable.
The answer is **3:23**
